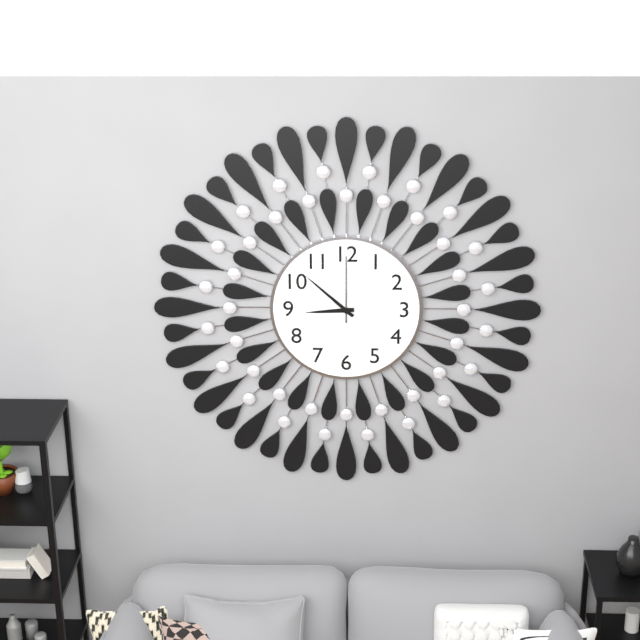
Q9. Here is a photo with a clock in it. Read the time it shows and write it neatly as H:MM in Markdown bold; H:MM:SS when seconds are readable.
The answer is **8:52:00**
